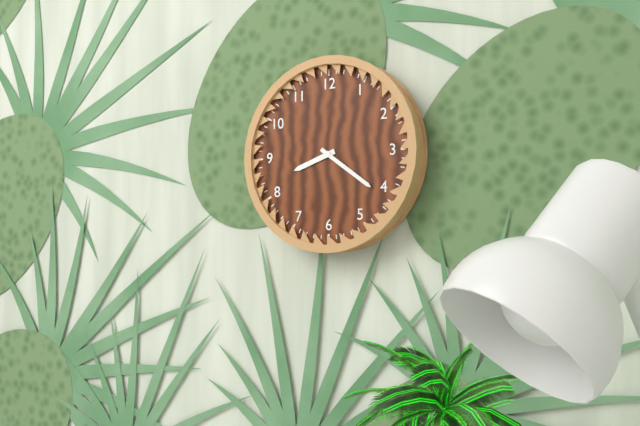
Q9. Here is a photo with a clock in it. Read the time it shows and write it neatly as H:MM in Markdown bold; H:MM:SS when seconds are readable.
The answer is **8:21**
